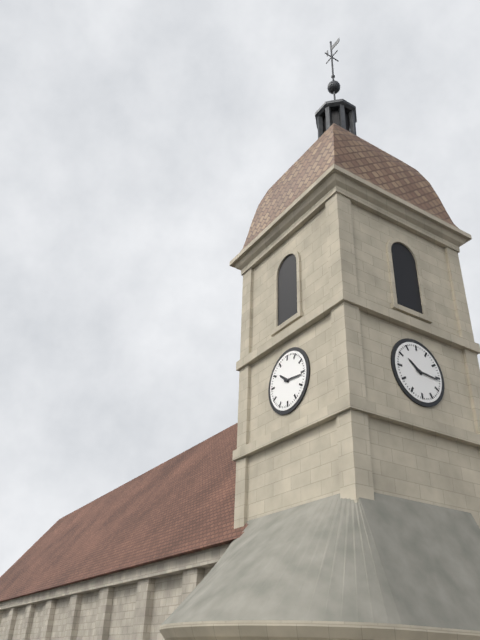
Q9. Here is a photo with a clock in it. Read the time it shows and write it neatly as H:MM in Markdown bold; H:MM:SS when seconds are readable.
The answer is **10:16**
